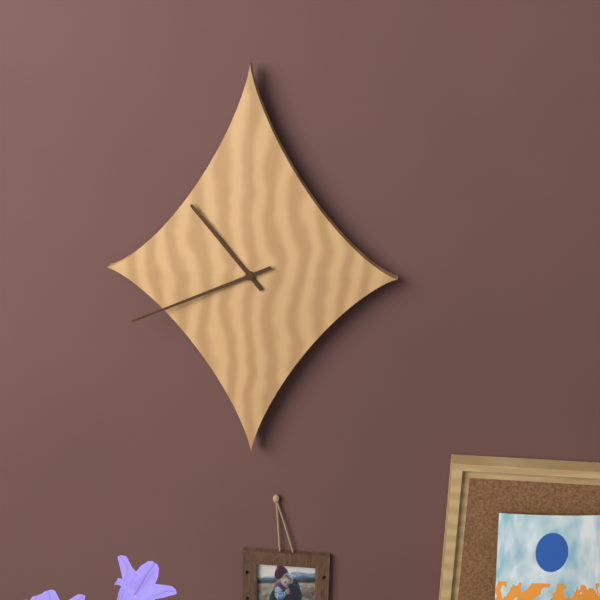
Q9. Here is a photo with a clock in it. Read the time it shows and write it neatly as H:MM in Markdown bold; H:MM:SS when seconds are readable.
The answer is **10:41**
